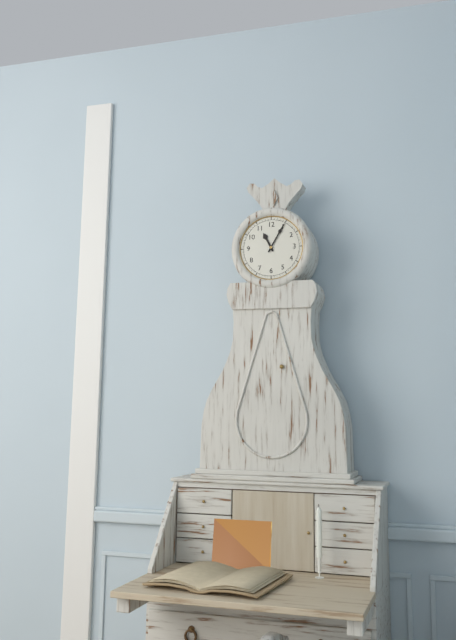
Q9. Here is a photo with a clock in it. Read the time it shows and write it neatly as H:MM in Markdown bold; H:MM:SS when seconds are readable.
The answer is **11:05**
